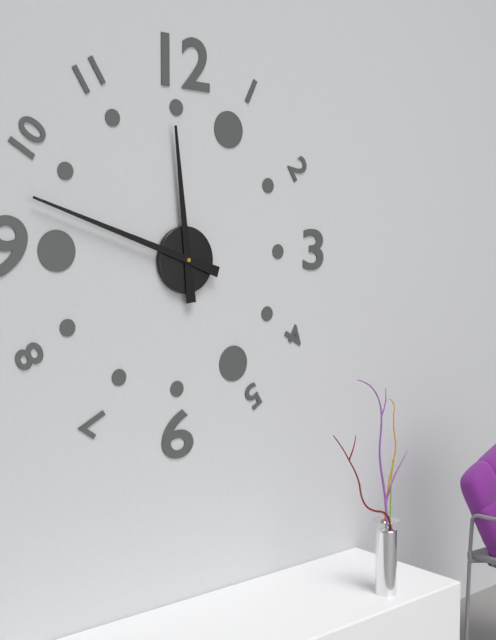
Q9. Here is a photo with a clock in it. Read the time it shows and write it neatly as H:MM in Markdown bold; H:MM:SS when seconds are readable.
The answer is **11:48**
